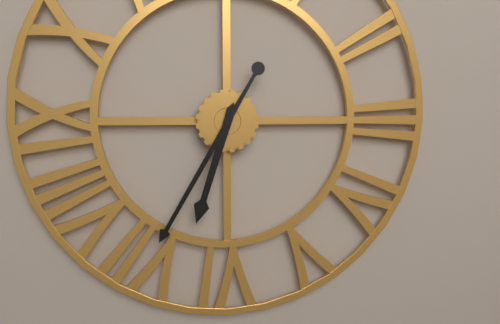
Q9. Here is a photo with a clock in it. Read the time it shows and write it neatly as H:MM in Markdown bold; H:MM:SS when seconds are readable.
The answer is **6:35**
